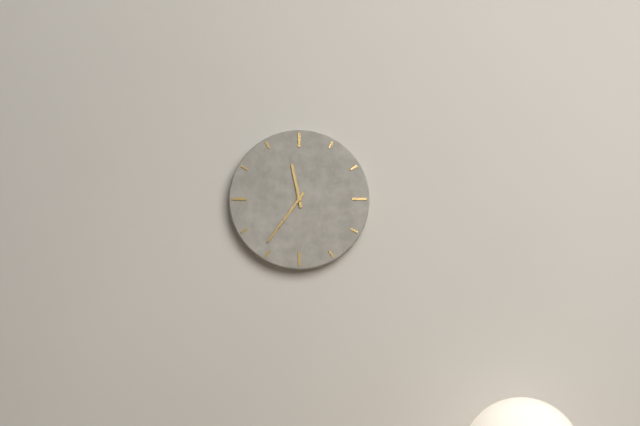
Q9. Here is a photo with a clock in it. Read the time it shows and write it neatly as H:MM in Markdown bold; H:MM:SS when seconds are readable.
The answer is **11:36**
